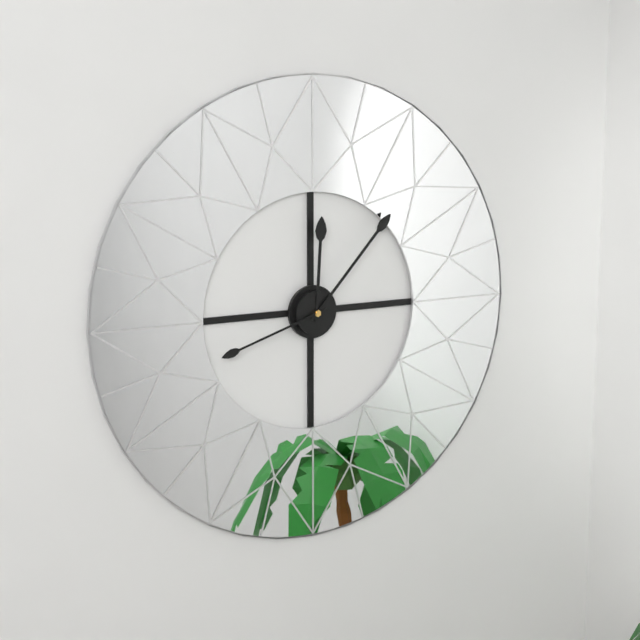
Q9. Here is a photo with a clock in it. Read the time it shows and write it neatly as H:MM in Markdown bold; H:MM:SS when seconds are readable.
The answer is **12:07:42**
